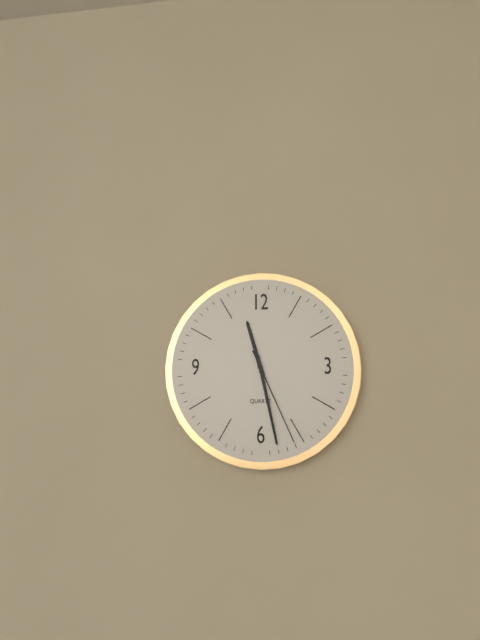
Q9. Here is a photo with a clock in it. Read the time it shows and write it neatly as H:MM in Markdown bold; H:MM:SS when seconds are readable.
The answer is **11:28:26**
